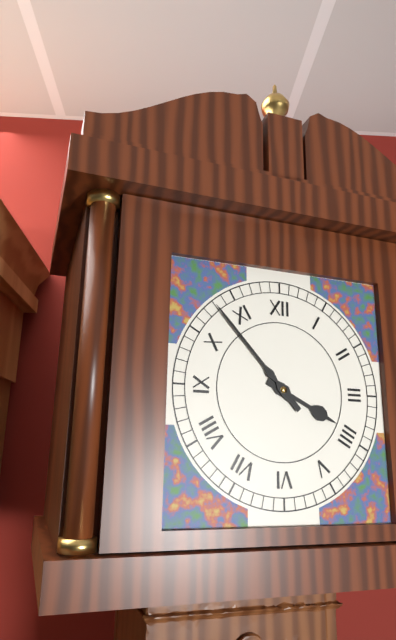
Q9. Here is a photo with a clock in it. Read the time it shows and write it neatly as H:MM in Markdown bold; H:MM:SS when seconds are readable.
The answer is **3:53**
